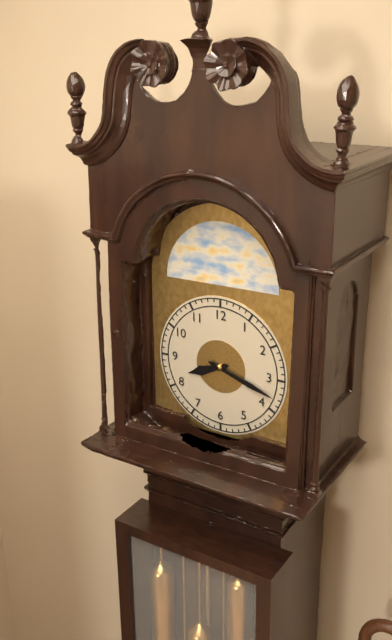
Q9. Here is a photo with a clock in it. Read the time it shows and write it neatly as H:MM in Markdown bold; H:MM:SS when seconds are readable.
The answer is **8:18**
